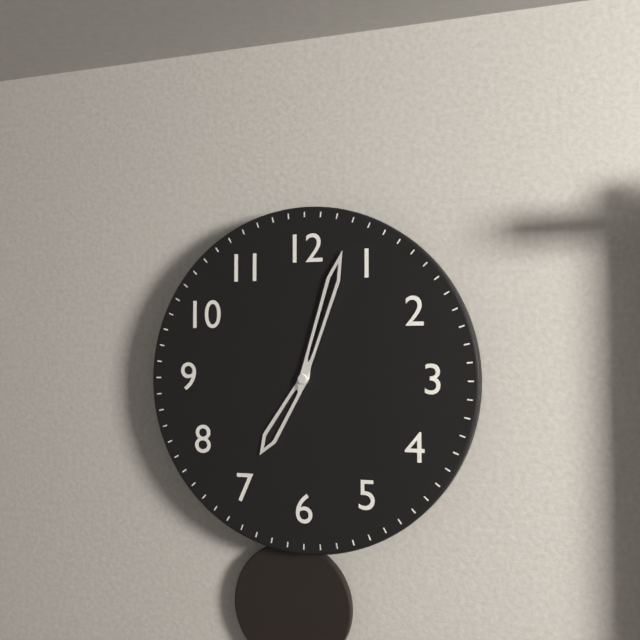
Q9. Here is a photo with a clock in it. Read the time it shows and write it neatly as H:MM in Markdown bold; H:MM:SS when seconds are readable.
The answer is **7:03**
